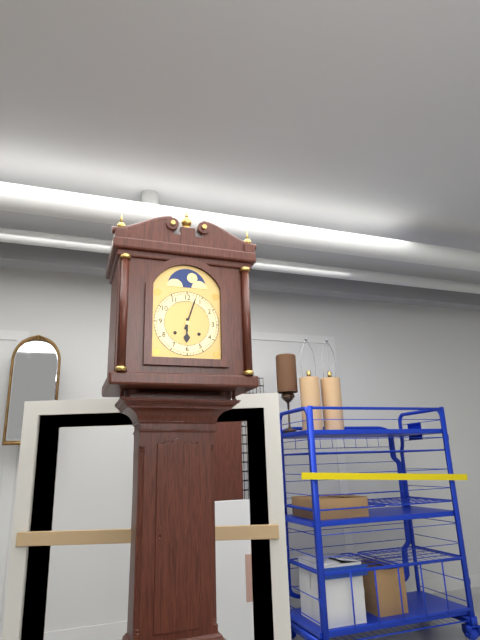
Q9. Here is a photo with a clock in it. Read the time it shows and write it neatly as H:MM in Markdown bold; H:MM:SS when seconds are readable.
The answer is **6:03**
